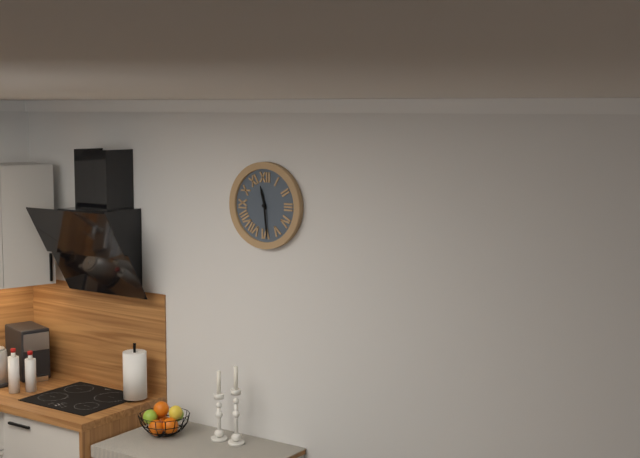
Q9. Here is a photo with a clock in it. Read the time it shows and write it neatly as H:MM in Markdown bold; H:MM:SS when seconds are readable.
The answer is **11:29**
